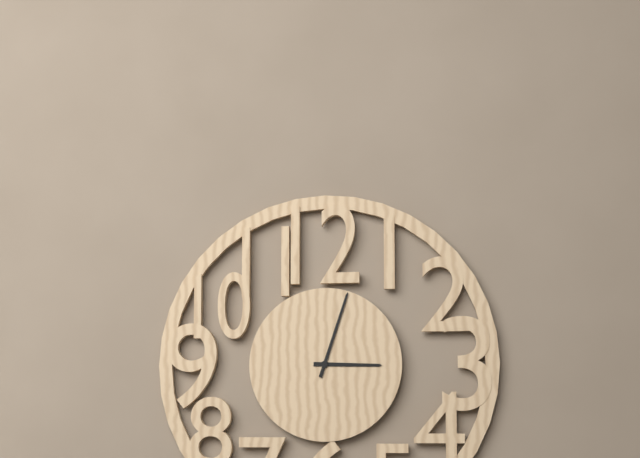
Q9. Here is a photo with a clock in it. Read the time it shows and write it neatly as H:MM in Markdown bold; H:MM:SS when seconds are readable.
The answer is **3:03**
